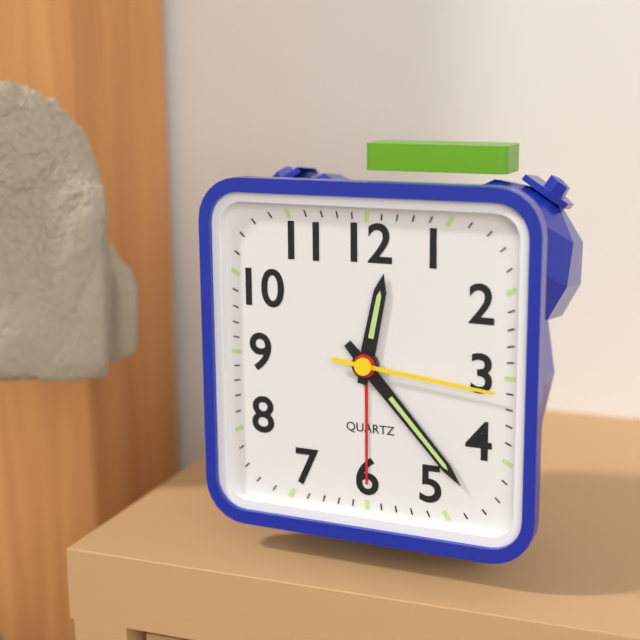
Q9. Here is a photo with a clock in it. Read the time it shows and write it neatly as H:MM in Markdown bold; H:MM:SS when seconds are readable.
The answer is **12:23:16**
